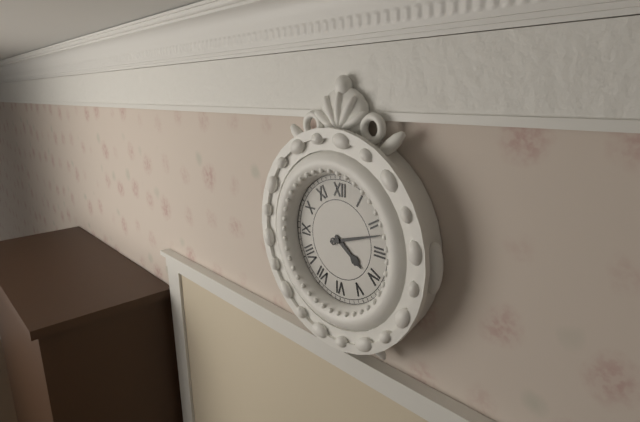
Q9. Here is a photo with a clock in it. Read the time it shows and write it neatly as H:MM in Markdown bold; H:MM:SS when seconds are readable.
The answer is **4:12**
